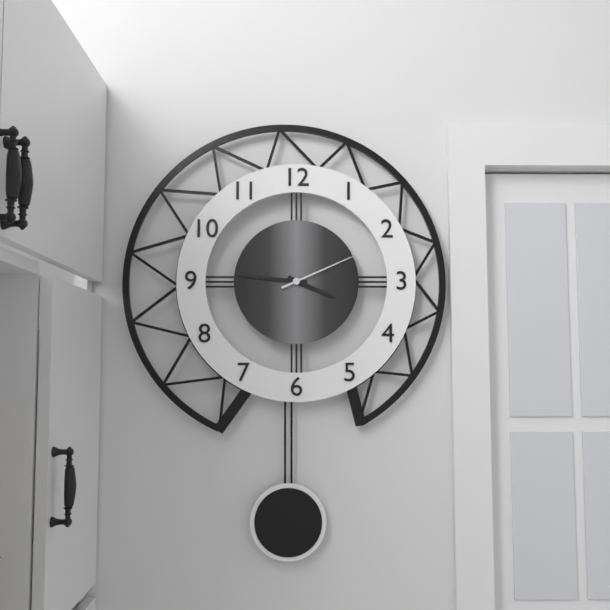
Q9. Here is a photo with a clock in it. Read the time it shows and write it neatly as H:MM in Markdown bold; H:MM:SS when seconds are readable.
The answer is **3:46:11**
